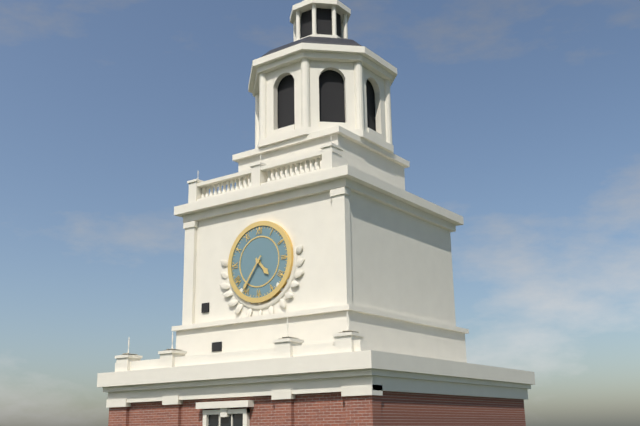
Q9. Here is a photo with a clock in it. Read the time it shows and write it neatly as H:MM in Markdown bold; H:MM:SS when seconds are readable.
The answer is **4:36**
